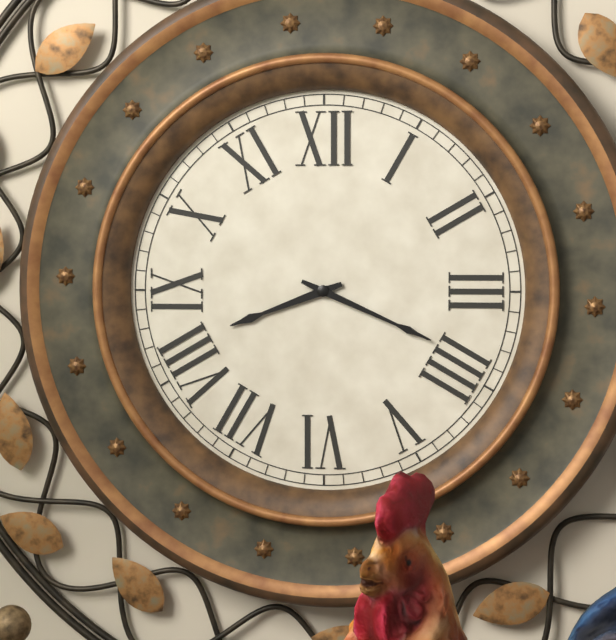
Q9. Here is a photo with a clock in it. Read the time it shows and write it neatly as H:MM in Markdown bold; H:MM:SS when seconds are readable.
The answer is **8:19**
